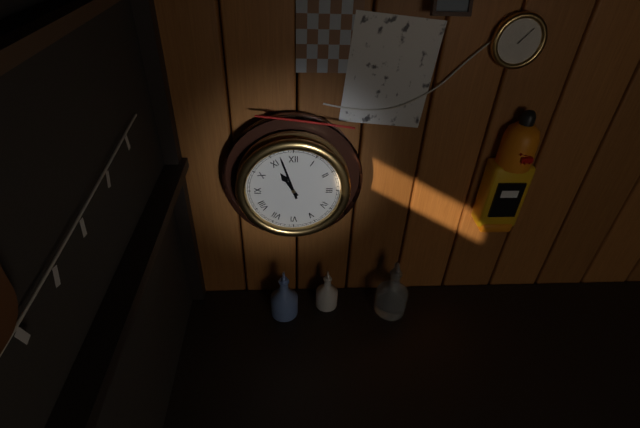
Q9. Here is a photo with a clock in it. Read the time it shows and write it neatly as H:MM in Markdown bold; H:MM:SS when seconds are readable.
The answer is **10:57**
